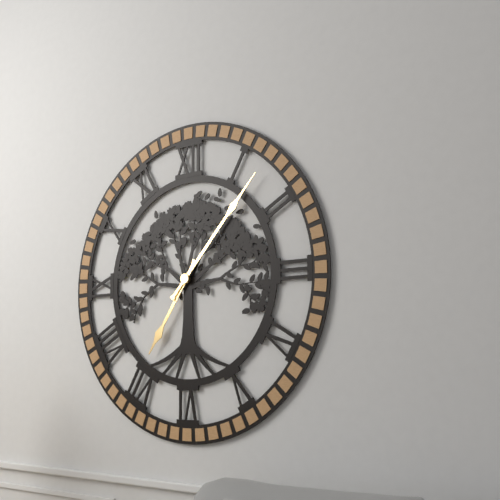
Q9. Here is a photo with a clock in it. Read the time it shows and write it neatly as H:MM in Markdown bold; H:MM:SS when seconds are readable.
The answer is **7:07**
